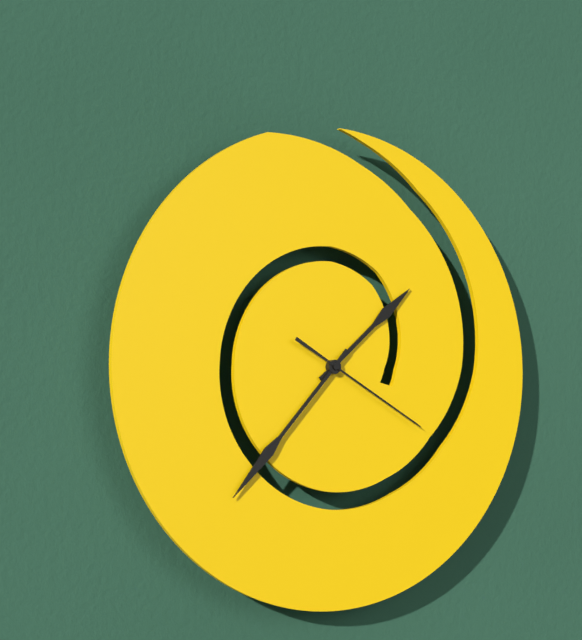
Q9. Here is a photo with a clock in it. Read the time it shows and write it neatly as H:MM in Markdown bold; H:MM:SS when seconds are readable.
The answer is **1:37:20**
